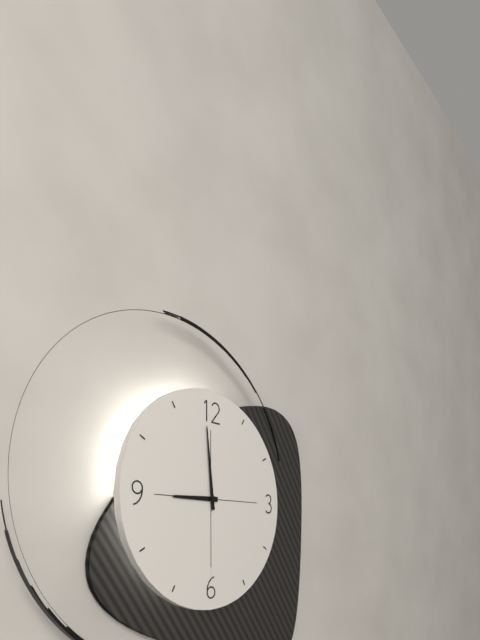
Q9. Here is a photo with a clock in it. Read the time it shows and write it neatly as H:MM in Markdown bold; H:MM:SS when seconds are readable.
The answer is **8:59**
